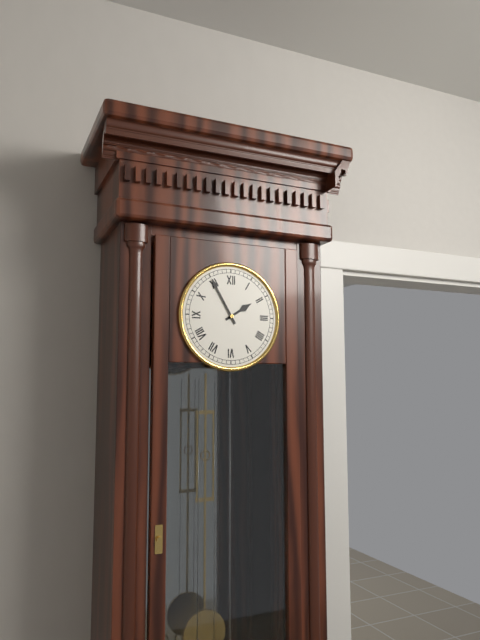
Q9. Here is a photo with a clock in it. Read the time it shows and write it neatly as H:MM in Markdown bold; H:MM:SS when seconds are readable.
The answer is **1:55**
